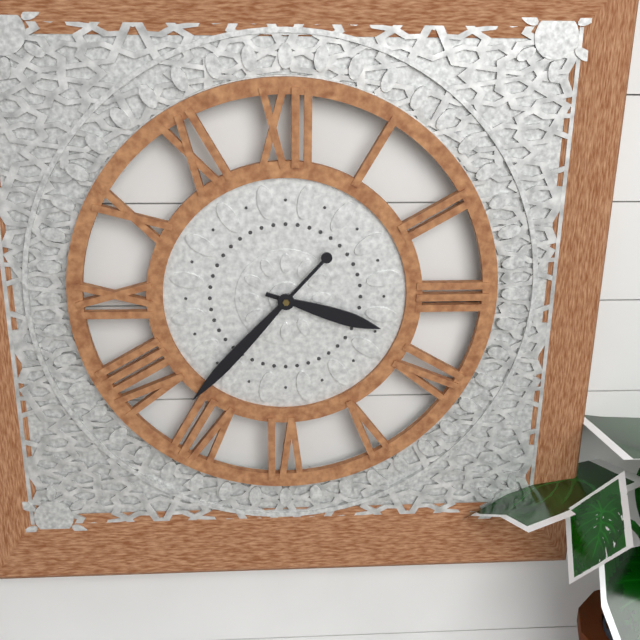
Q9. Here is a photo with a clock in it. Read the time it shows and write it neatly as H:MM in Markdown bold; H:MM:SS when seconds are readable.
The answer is **3:37**
